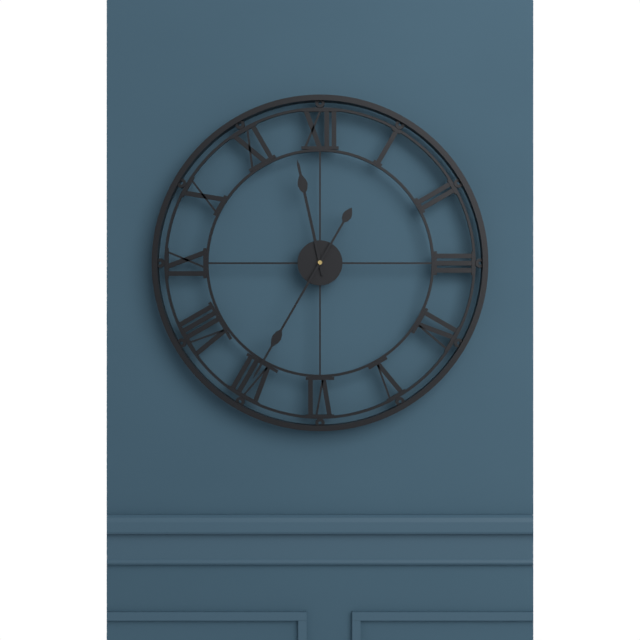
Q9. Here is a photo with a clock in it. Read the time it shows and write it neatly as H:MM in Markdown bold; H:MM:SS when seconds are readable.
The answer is **11:35**
